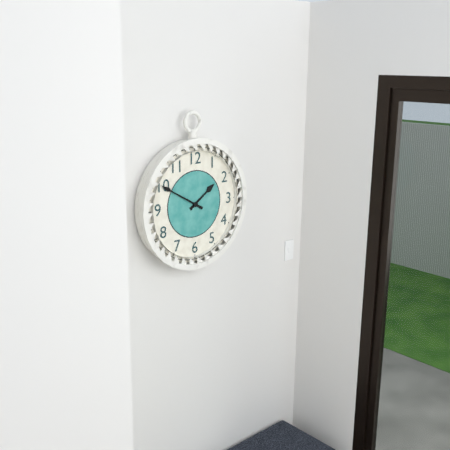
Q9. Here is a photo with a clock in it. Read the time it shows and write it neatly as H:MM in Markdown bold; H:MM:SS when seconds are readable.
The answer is **1:50**
